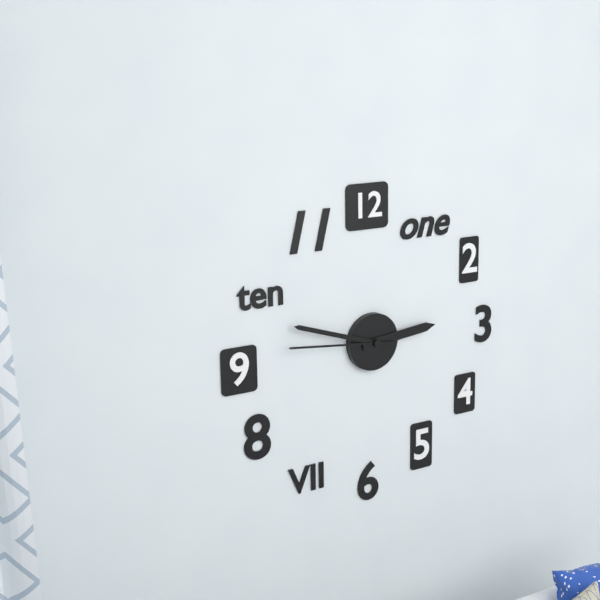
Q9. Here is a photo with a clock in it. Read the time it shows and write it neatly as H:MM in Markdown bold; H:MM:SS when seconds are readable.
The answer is **2:48:46**
